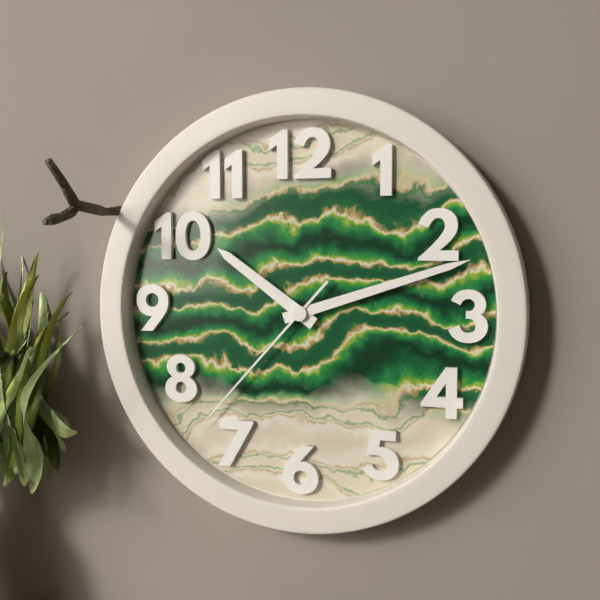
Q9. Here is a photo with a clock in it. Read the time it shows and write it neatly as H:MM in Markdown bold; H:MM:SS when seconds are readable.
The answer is **10:12:37**
